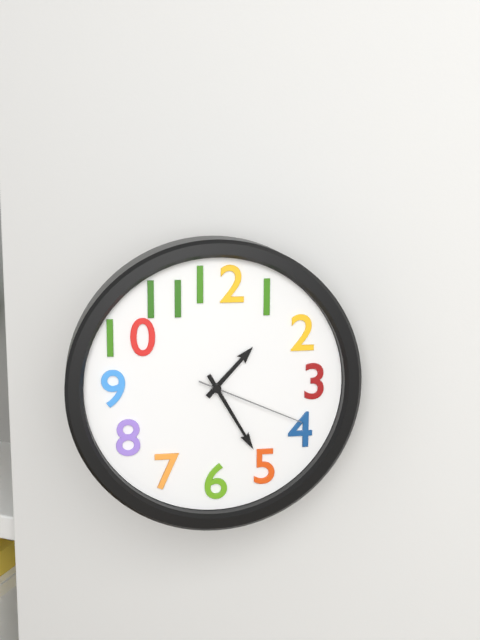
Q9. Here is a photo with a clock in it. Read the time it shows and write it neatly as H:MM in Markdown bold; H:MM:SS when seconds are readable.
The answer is **1:25:19**
